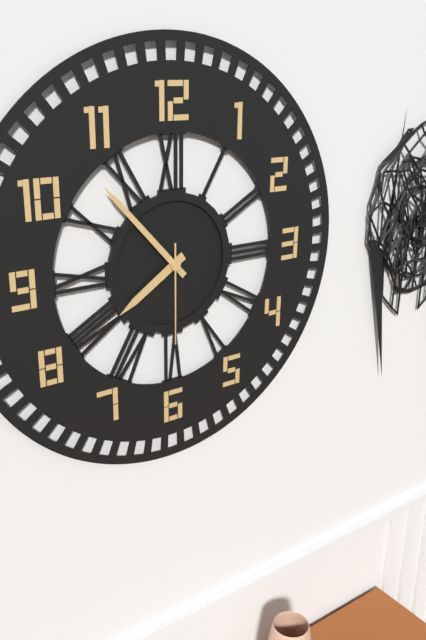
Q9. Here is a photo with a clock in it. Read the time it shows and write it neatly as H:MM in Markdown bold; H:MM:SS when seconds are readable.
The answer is **7:53:30**
